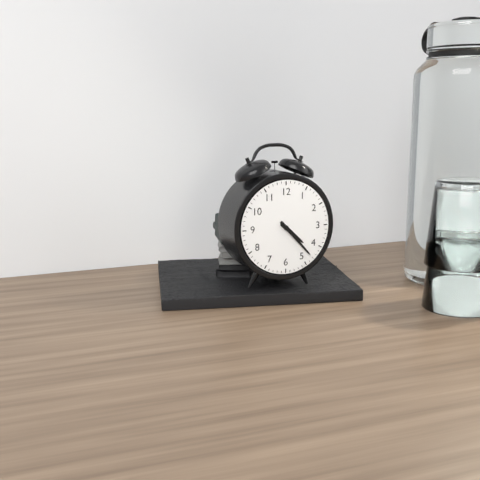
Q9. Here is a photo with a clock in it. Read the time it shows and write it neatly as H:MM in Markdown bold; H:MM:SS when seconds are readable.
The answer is **4:23**
